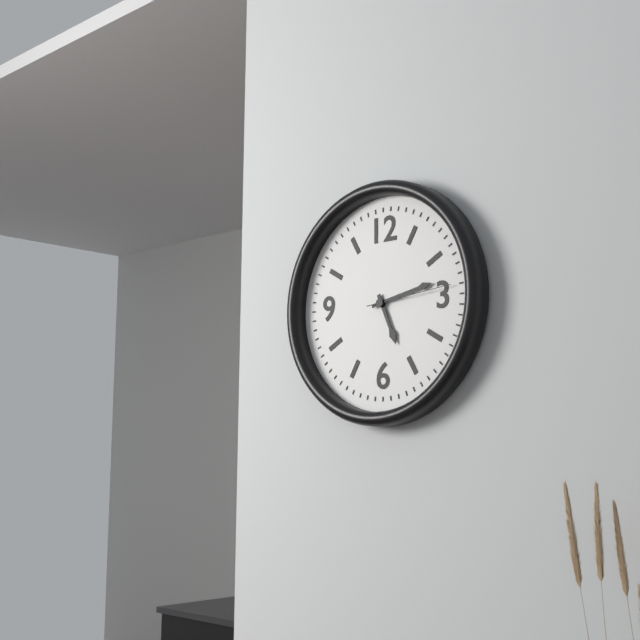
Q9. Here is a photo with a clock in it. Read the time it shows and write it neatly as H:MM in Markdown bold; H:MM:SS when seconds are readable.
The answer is **5:13:14**
